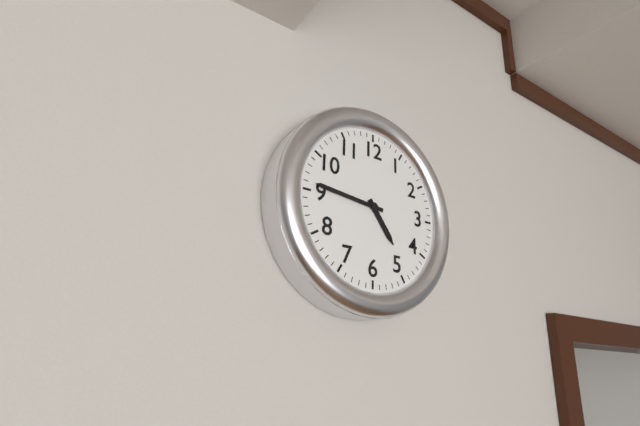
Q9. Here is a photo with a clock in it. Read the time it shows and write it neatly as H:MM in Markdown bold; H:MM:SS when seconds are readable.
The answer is **4:46**
